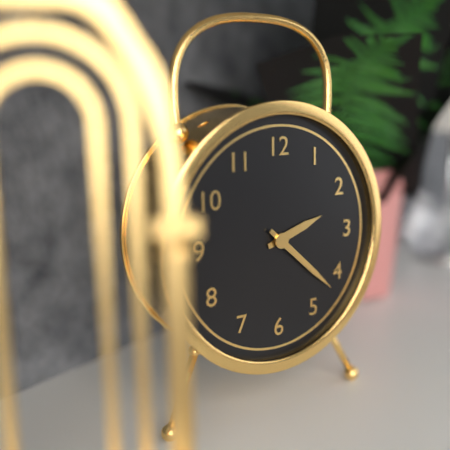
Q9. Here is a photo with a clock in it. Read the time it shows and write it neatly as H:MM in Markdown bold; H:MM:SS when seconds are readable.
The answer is **2:22**
